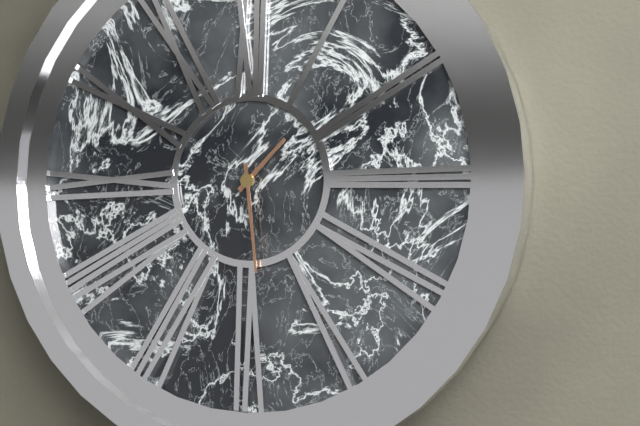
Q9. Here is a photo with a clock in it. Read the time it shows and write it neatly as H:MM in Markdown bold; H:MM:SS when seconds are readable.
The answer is **1:29**
